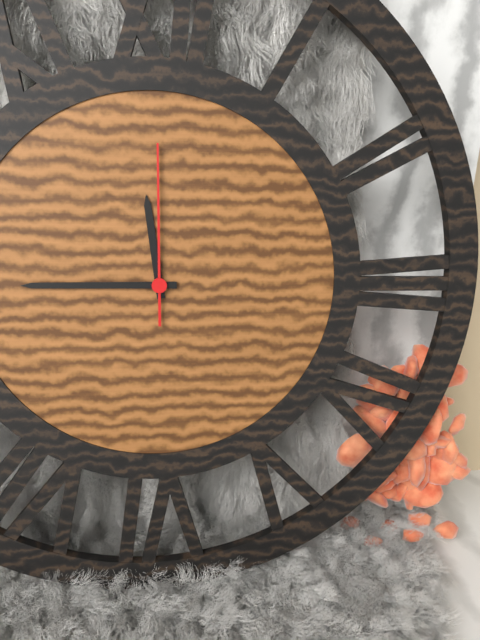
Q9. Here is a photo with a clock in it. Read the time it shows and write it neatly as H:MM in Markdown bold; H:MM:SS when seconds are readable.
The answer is **11:45:00**
